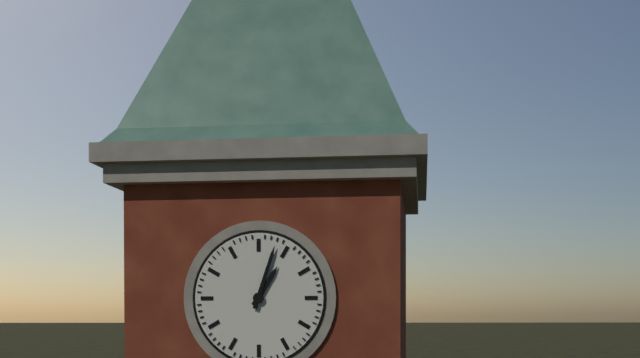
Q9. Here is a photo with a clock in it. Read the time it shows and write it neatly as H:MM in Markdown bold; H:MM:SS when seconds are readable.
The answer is **1:03**
